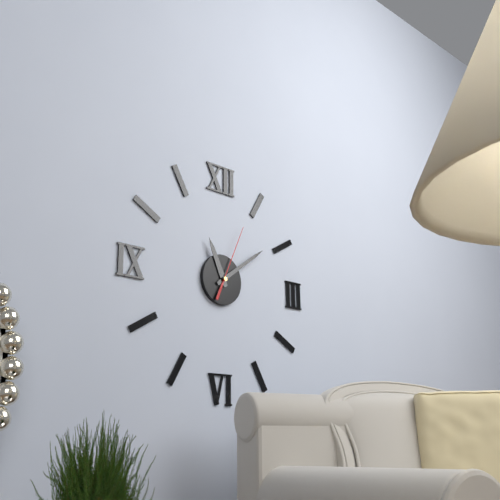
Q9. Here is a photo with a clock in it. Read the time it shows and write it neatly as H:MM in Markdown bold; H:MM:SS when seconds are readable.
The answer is **11:09:04**
